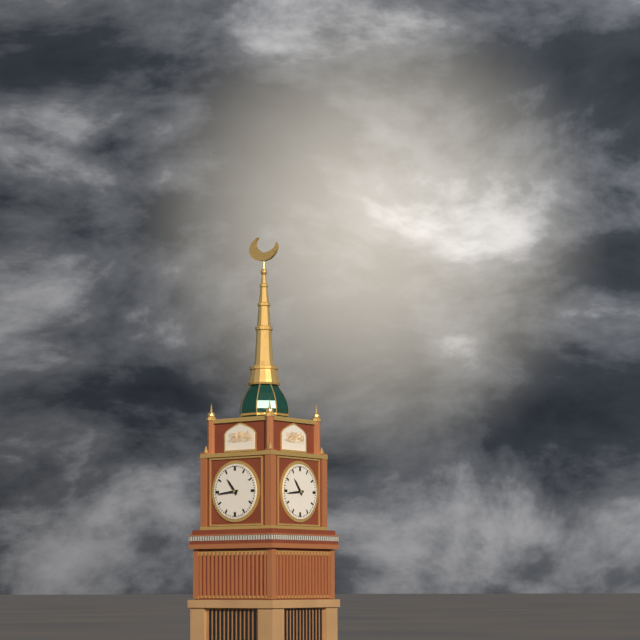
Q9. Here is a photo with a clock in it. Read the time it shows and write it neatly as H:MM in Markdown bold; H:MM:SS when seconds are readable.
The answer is **10:44**
